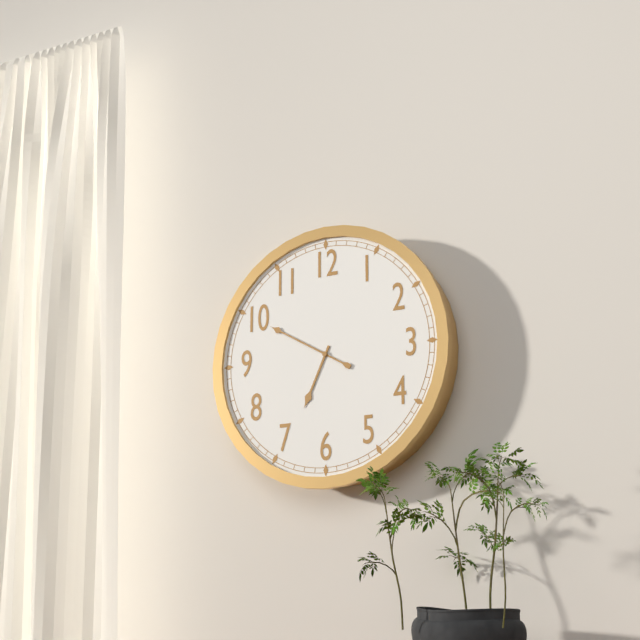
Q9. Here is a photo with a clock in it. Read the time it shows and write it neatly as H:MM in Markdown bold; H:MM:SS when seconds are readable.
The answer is **6:50**
